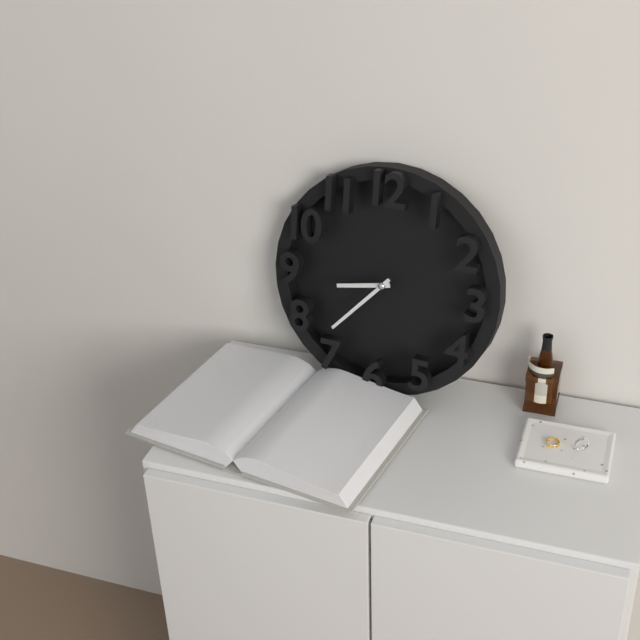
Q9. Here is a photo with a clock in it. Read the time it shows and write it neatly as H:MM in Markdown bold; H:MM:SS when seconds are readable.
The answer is **8:37**
